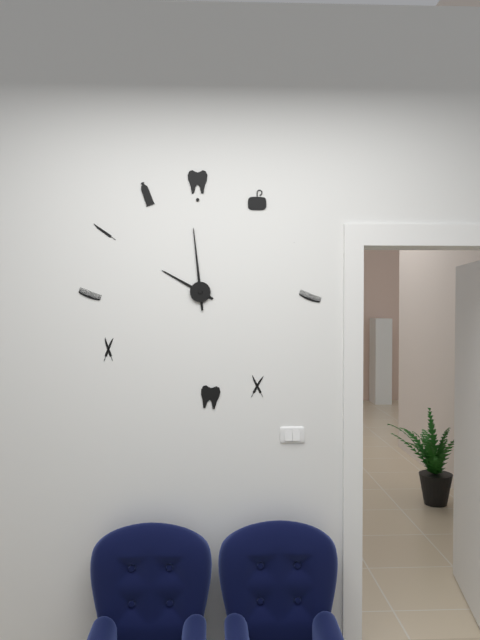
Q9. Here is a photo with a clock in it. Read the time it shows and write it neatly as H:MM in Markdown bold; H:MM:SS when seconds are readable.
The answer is **9:59**
